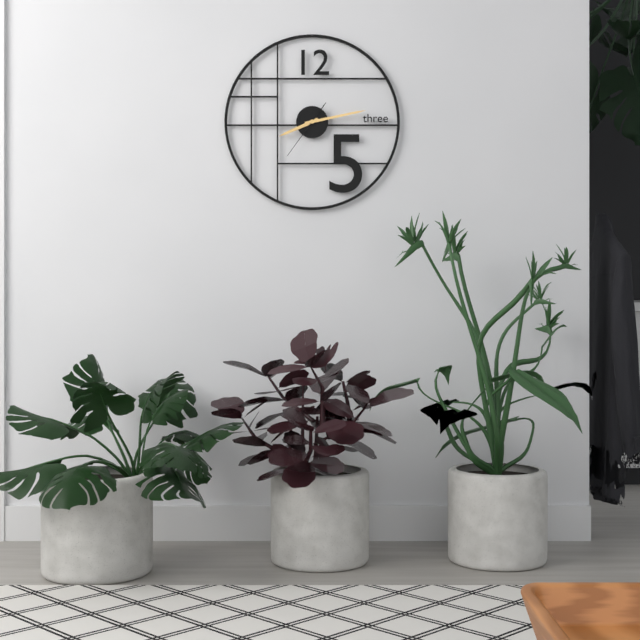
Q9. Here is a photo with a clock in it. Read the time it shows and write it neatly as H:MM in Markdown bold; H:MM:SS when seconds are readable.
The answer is **8:13:36**
